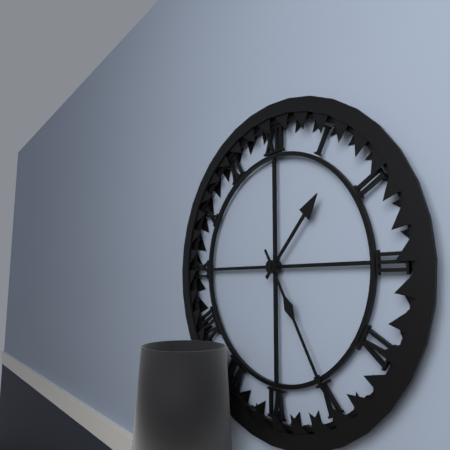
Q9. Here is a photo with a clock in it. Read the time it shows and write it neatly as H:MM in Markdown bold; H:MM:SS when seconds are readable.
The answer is **1:25**
